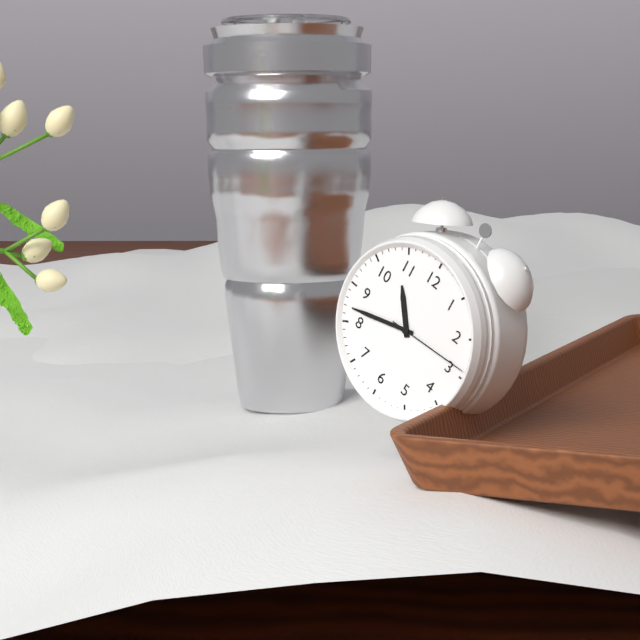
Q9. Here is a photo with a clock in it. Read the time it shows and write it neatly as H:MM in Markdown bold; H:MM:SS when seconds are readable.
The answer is **10:42:14**
